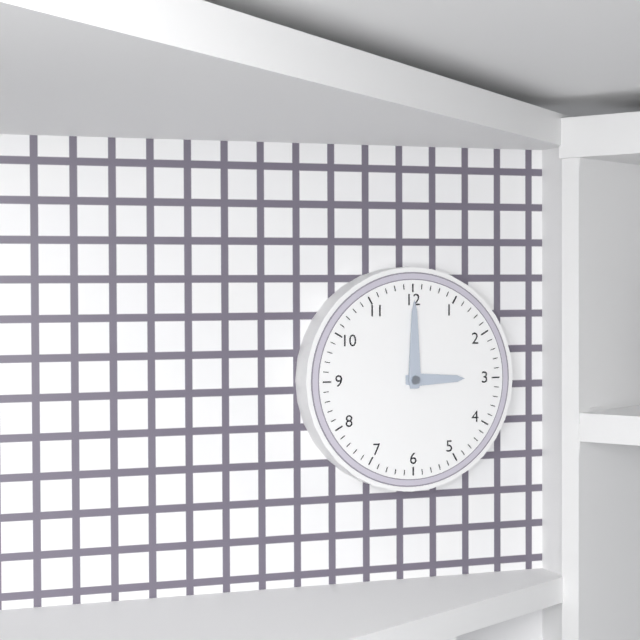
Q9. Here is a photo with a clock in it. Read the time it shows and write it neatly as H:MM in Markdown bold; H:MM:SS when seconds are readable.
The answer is **3:00**
